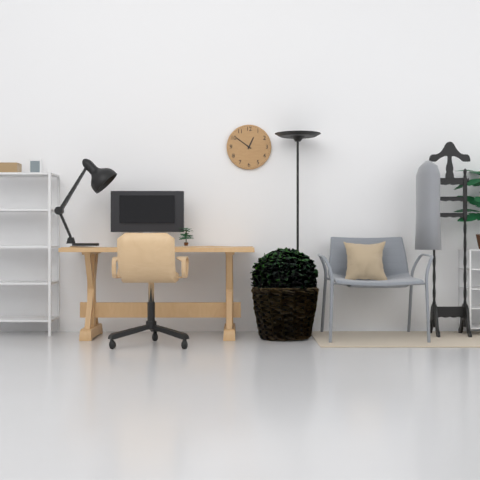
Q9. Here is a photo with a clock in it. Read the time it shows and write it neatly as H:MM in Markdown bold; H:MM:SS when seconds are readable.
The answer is **12:51**
